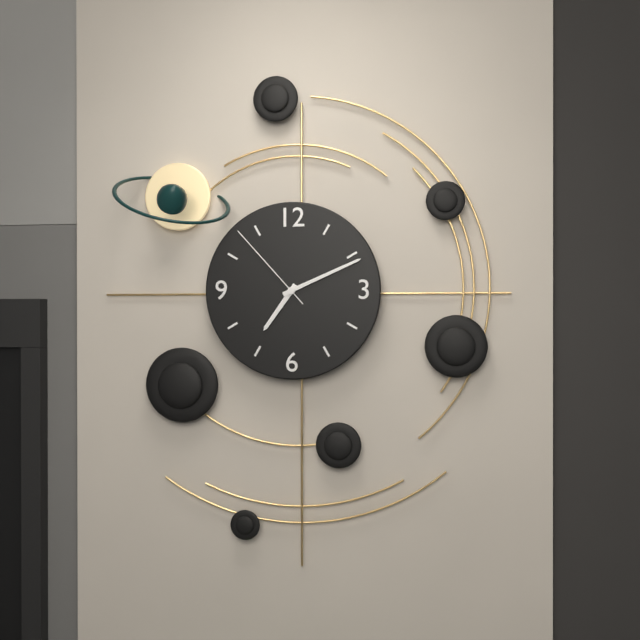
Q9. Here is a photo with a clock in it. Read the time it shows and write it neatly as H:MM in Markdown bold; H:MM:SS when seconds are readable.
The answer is **7:11:53**
